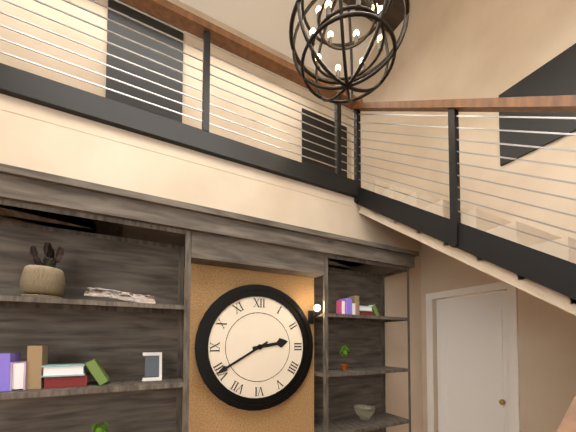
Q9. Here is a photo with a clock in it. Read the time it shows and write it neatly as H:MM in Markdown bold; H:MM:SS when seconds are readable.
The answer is **2:40**
